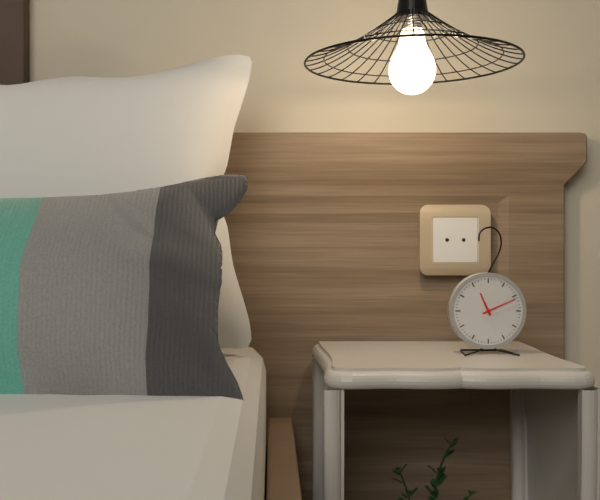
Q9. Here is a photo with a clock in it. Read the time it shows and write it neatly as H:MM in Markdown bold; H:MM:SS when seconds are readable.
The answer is **11:11**
